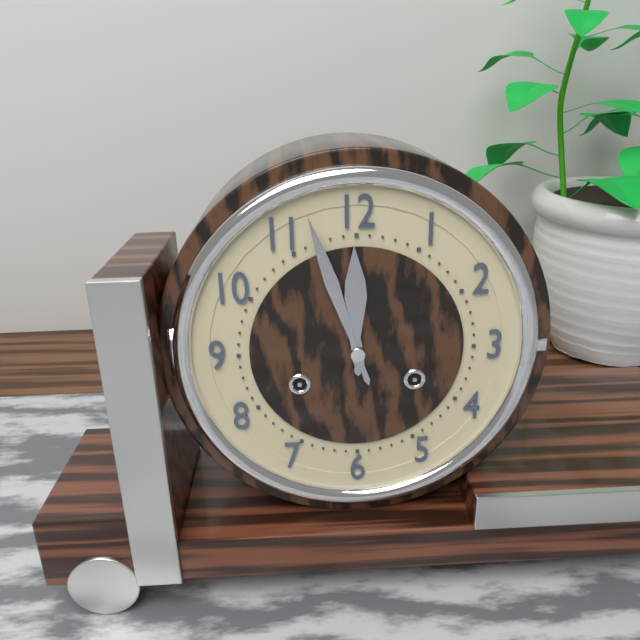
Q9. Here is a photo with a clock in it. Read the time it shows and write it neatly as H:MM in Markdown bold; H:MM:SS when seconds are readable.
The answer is **11:57**
